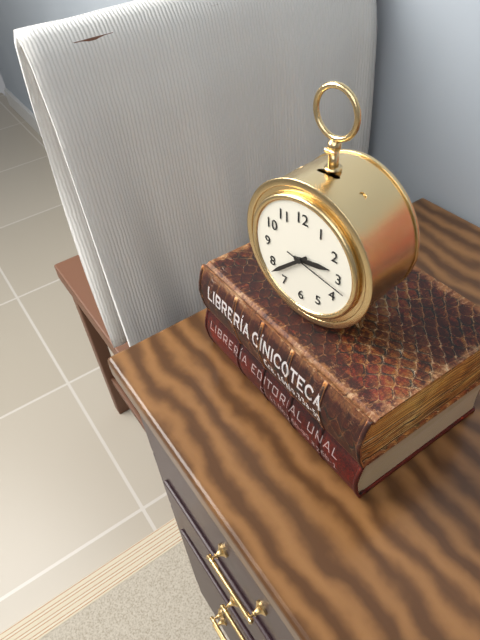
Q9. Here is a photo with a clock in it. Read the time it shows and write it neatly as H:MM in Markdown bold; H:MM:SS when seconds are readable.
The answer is **2:38:17**
